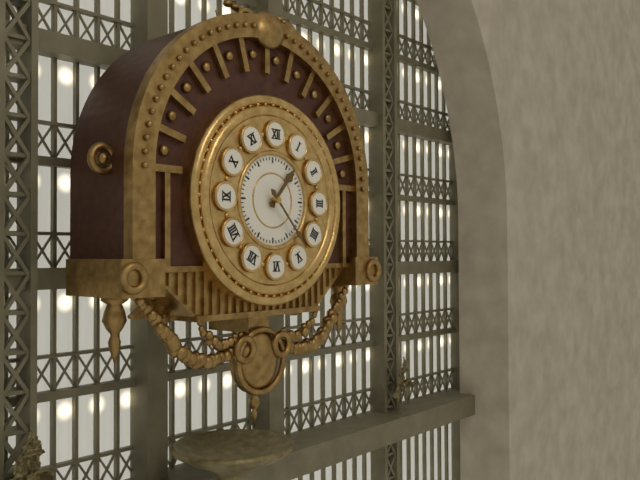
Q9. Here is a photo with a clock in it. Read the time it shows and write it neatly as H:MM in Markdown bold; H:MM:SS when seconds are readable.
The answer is **1:23**
